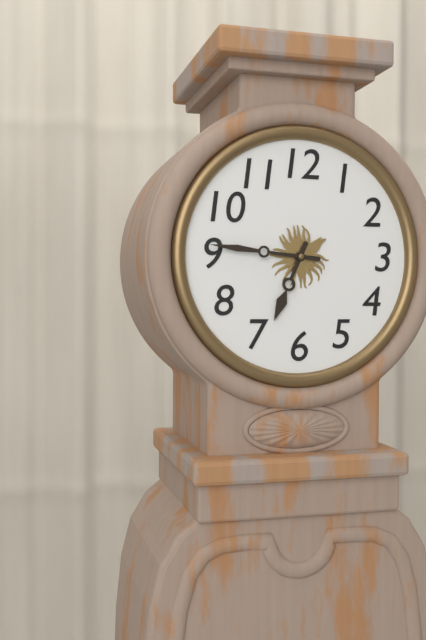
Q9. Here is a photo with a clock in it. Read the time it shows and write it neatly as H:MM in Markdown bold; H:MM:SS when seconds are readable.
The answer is **6:46**
